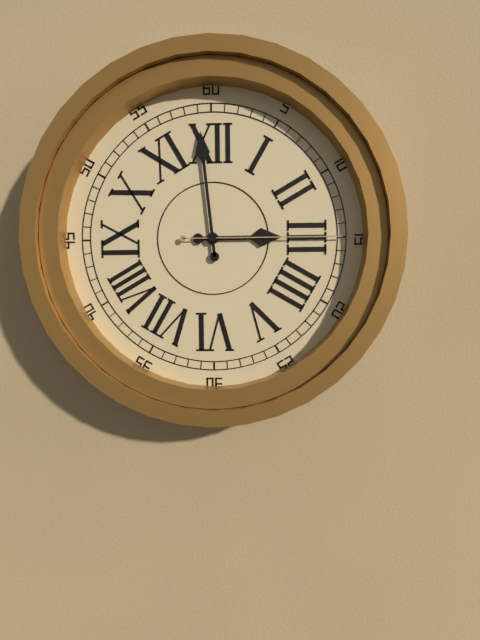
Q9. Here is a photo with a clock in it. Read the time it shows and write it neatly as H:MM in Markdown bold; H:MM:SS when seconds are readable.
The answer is **2:59:15**
